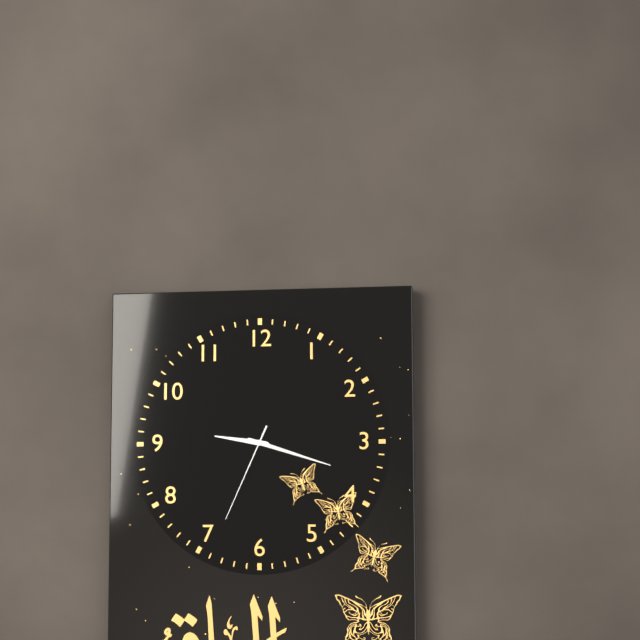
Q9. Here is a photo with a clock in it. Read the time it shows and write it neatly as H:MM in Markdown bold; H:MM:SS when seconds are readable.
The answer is **9:18:34**
